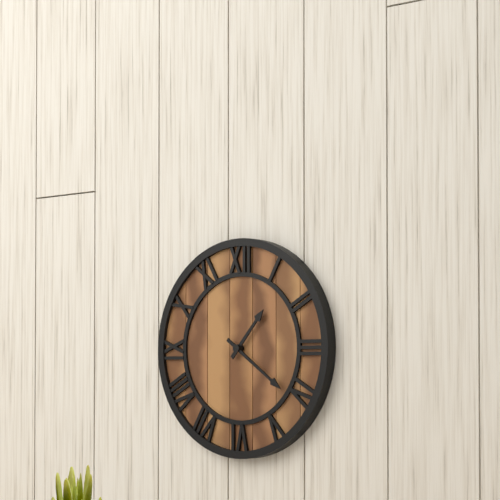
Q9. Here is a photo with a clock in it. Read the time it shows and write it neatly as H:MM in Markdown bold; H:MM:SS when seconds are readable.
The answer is **1:21**
